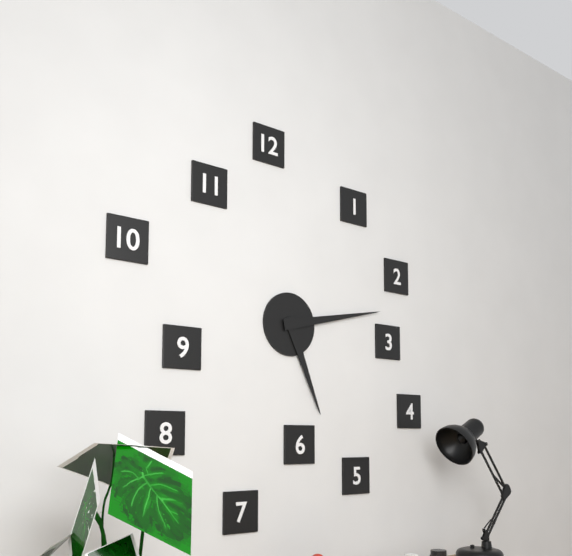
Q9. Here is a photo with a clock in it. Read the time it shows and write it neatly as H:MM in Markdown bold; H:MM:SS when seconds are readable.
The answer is **5:13**
